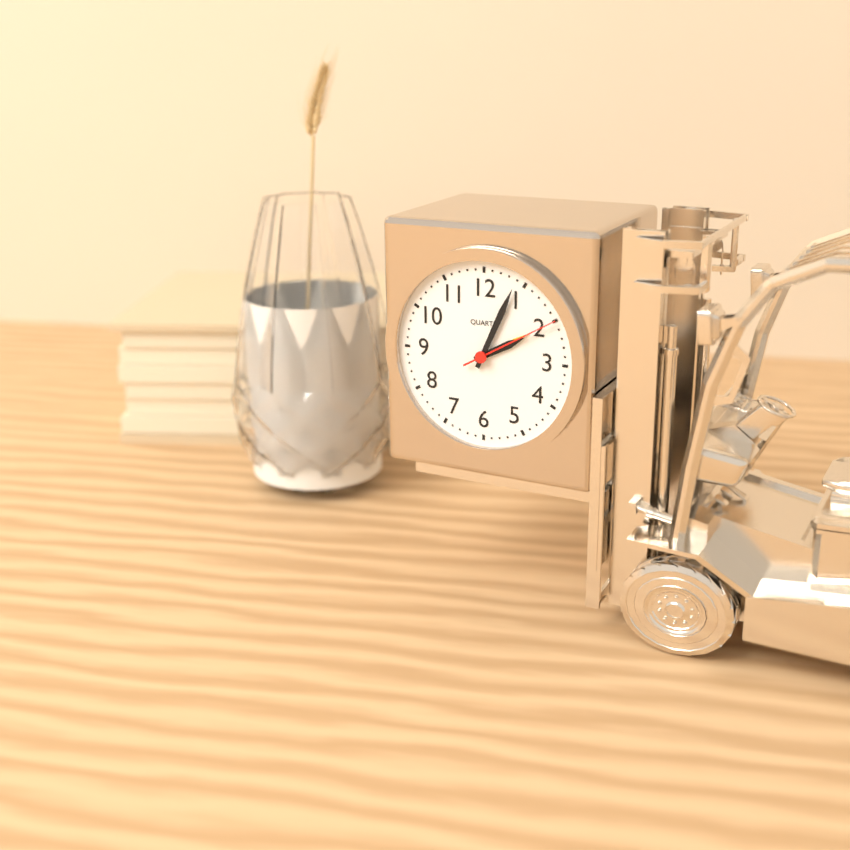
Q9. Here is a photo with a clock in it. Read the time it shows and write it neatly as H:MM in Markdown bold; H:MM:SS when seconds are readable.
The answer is **2:04:10**
